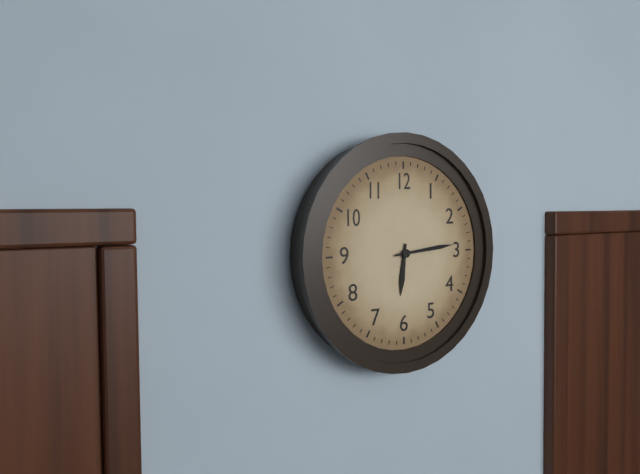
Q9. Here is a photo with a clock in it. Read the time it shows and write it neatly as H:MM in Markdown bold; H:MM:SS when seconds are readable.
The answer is **6:14**
